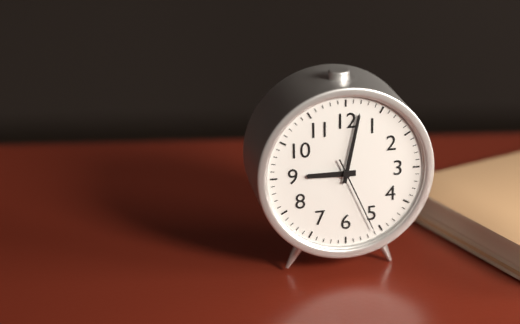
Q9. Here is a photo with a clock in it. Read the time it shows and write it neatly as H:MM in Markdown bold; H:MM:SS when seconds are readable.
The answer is **9:02:26**
